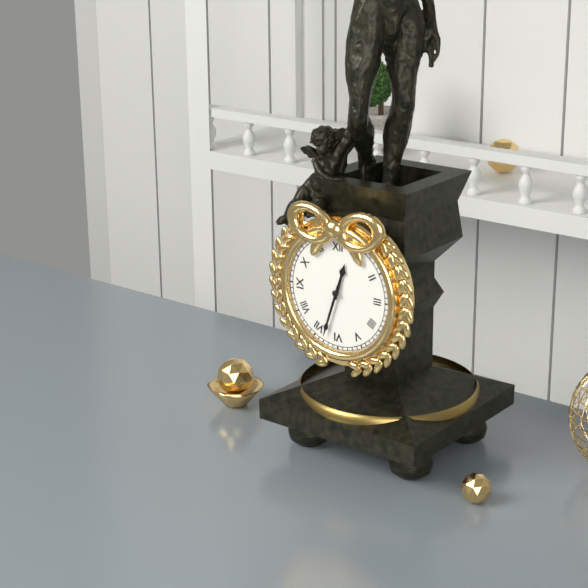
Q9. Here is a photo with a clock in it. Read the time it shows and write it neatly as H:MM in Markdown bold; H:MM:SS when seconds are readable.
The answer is **12:33**
